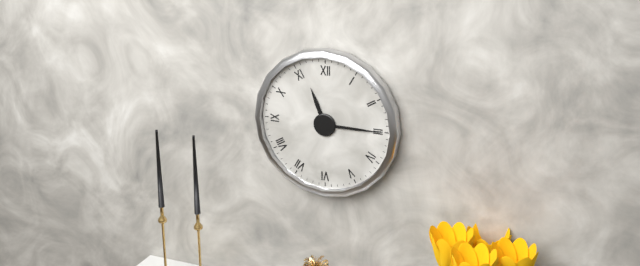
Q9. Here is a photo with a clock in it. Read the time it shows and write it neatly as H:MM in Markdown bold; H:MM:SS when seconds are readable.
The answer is **11:15**
